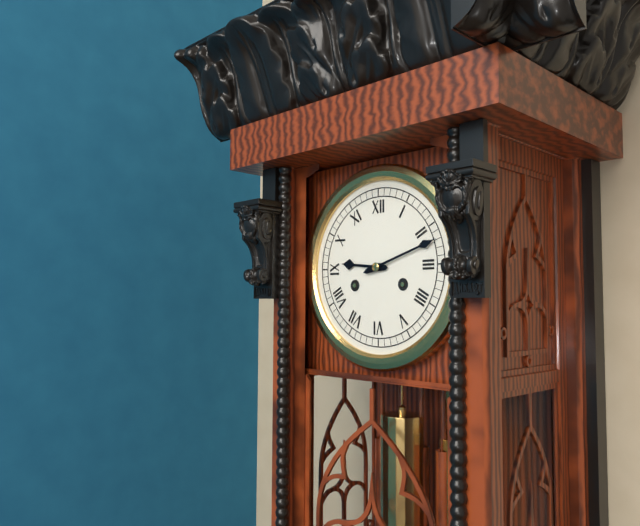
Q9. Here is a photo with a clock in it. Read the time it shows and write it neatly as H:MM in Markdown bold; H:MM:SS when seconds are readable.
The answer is **9:12**
